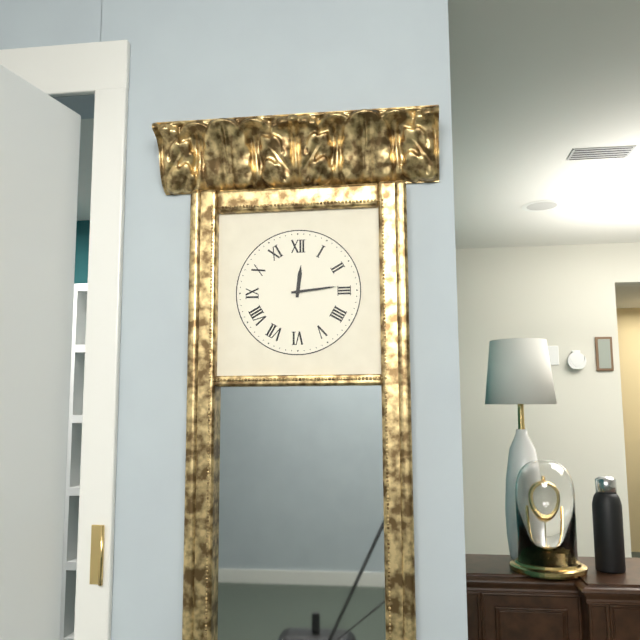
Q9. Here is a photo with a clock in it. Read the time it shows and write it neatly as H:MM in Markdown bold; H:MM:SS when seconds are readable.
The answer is **12:14**
